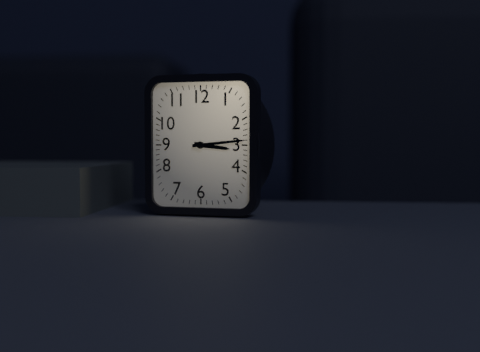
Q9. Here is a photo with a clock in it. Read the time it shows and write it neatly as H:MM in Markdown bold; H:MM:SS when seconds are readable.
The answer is **3:14**
